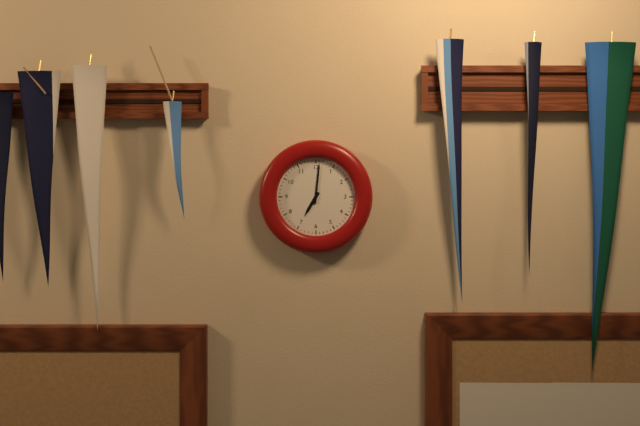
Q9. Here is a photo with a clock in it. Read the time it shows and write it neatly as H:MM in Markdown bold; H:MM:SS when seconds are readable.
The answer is **7:01**
